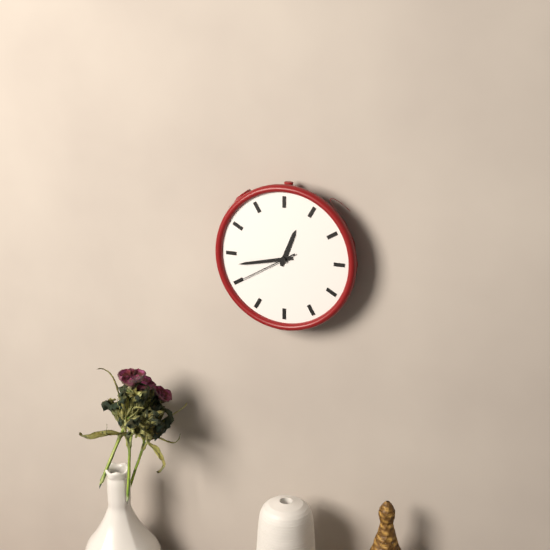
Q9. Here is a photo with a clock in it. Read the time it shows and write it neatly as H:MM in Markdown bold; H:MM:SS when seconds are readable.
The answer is **12:43:40**
